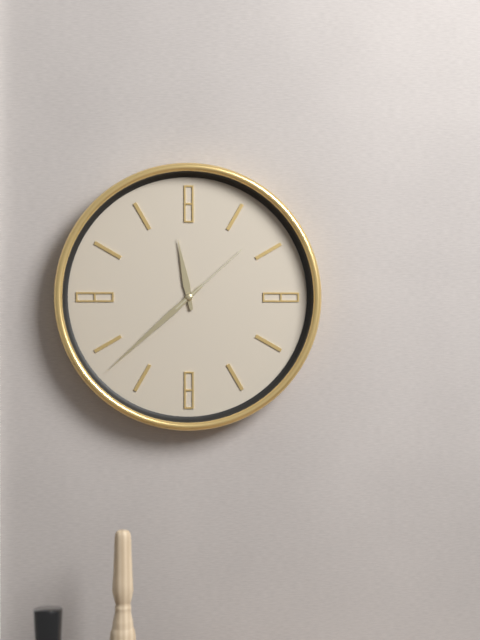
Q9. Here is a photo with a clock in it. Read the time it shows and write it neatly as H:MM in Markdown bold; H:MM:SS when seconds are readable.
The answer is **11:38:08**
